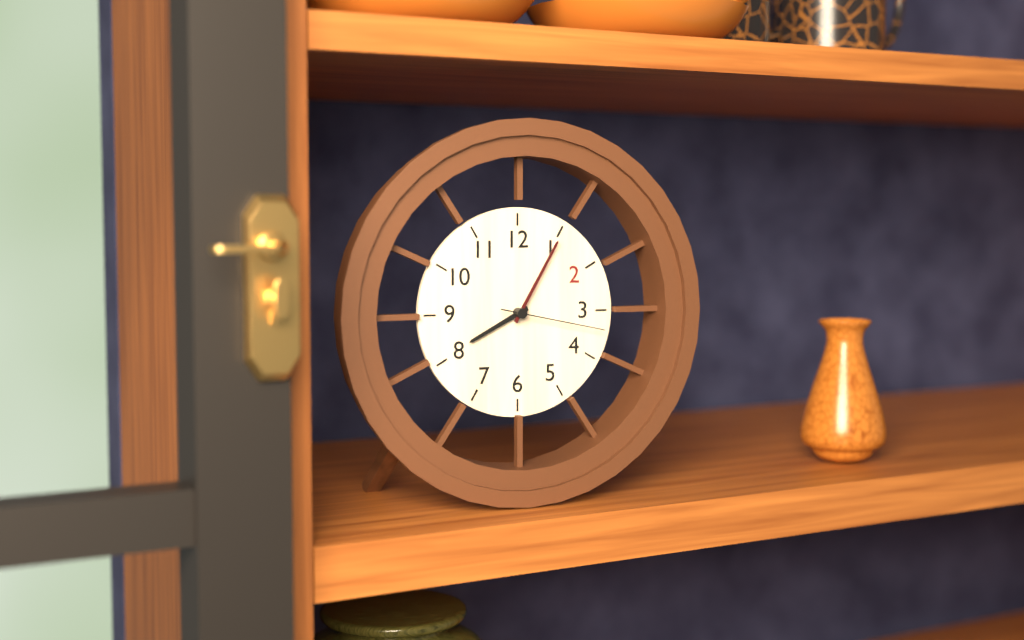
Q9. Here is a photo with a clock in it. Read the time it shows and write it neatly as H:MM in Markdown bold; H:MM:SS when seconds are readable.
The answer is **8:05:17**
